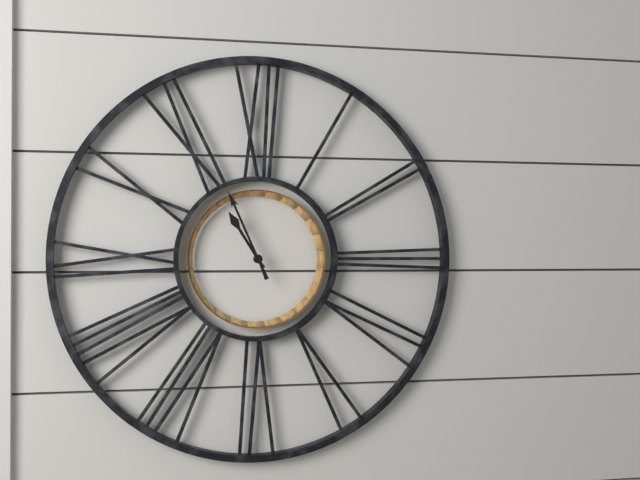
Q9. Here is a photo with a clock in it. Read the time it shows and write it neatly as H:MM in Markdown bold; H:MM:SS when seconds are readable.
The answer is **10:56**
